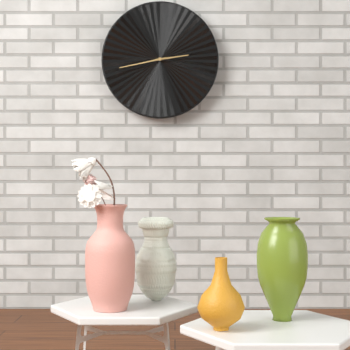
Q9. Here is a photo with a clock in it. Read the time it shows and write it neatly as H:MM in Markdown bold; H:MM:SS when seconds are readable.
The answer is **2:43**
